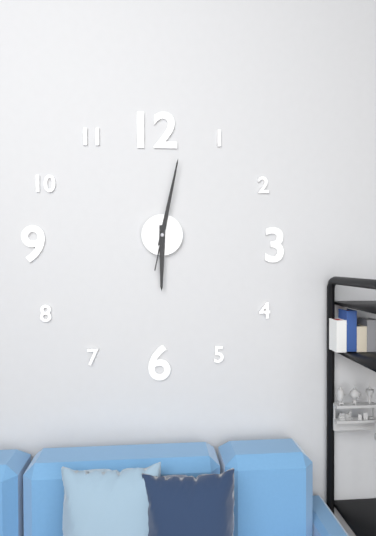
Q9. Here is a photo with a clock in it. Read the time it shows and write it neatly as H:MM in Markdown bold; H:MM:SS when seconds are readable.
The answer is **6:02:02**
